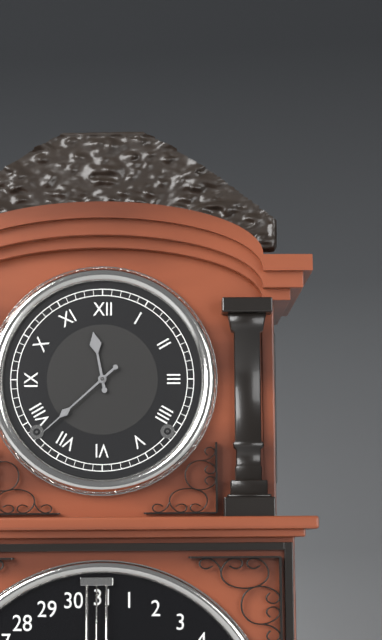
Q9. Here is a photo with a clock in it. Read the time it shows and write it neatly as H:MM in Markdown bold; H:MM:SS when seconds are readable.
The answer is **11:38**
